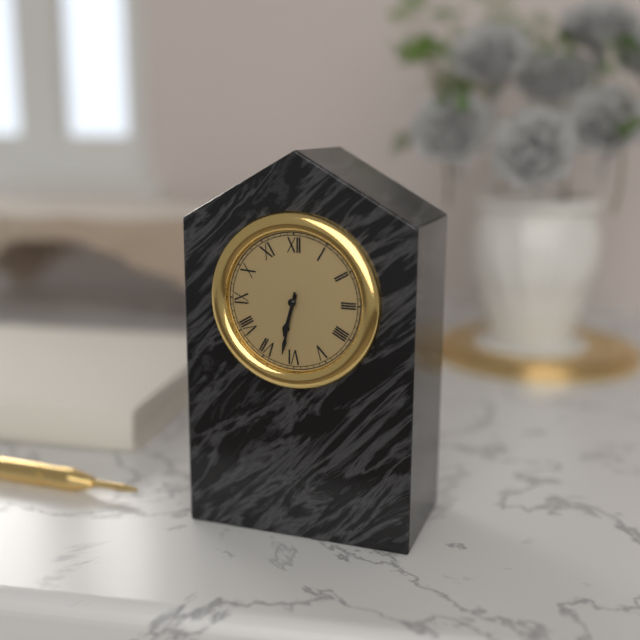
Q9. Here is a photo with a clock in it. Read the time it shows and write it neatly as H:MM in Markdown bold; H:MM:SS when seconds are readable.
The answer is **6:32**
